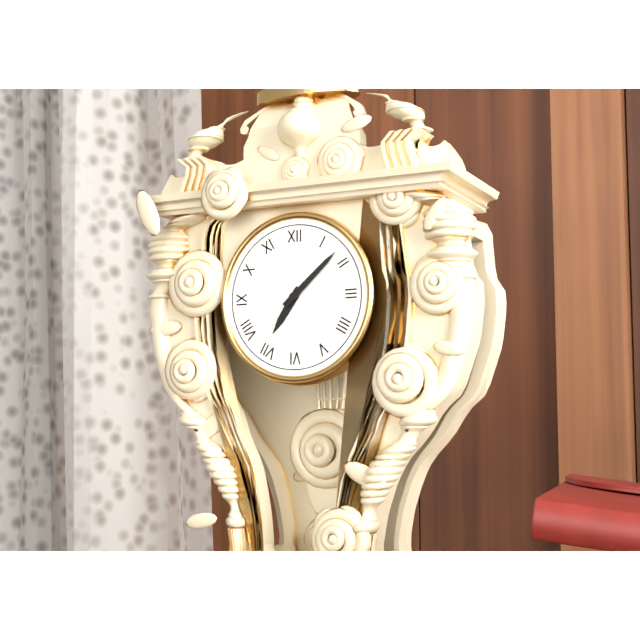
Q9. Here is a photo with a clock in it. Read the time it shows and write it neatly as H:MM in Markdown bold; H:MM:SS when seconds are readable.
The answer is **7:08**
